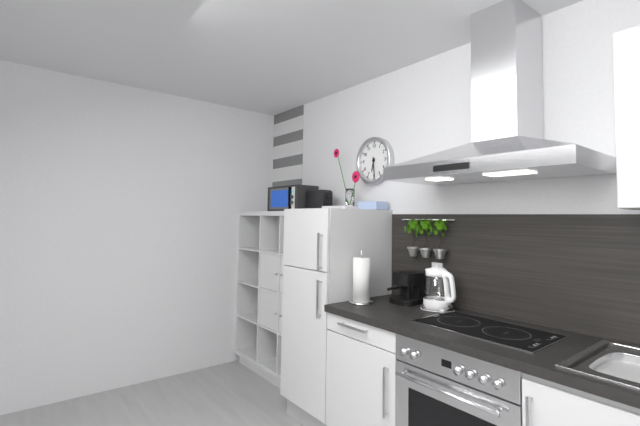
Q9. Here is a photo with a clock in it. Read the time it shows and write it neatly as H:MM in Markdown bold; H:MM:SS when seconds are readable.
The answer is **6:29**
